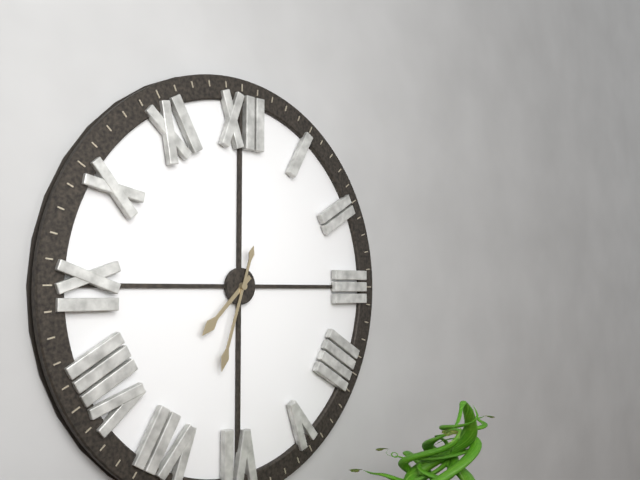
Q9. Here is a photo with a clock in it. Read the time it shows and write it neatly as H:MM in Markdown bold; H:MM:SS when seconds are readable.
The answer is **7:33**
